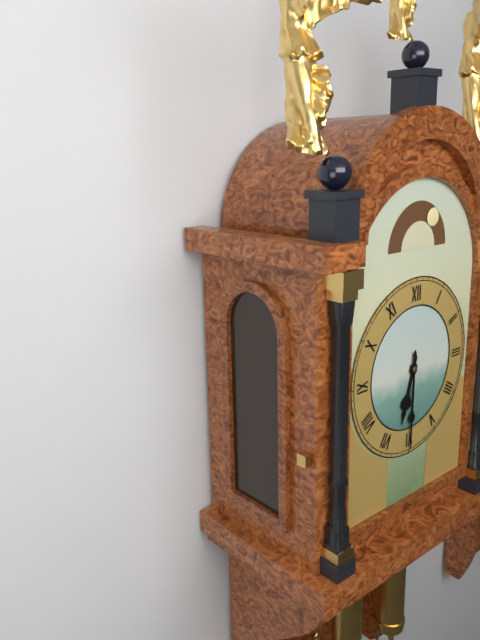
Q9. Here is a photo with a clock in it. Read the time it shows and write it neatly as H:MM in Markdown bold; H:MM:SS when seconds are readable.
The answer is **6:30**
